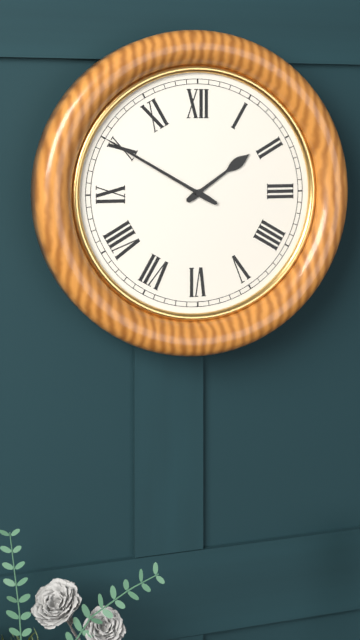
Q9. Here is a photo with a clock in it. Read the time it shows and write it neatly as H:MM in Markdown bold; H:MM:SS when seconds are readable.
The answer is **1:50**
